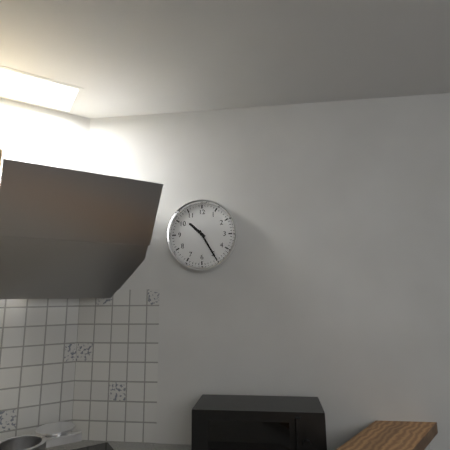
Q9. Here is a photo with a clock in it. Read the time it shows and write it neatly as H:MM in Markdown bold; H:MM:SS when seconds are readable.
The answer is **10:25**
